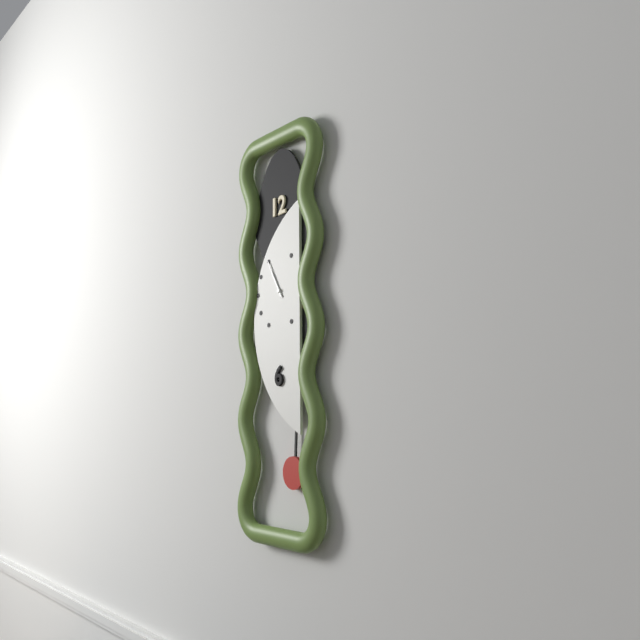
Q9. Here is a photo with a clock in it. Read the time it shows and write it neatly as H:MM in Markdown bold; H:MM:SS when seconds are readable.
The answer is **10:55**
